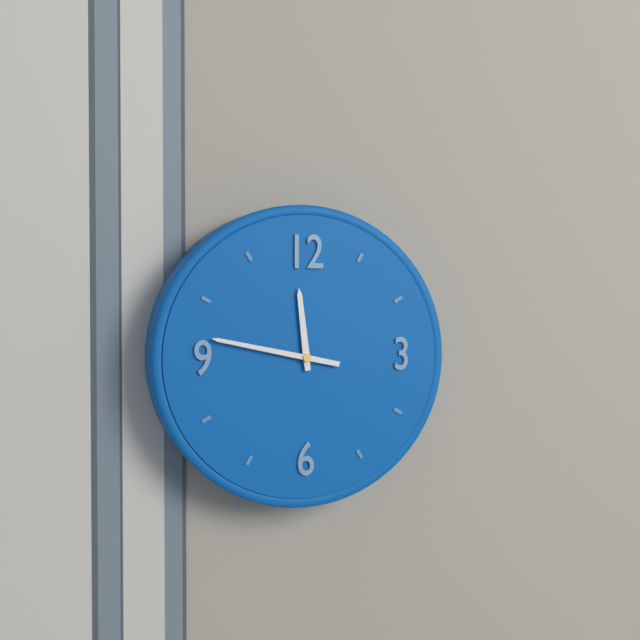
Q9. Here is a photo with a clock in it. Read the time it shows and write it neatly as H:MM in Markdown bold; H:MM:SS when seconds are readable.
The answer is **11:47**
